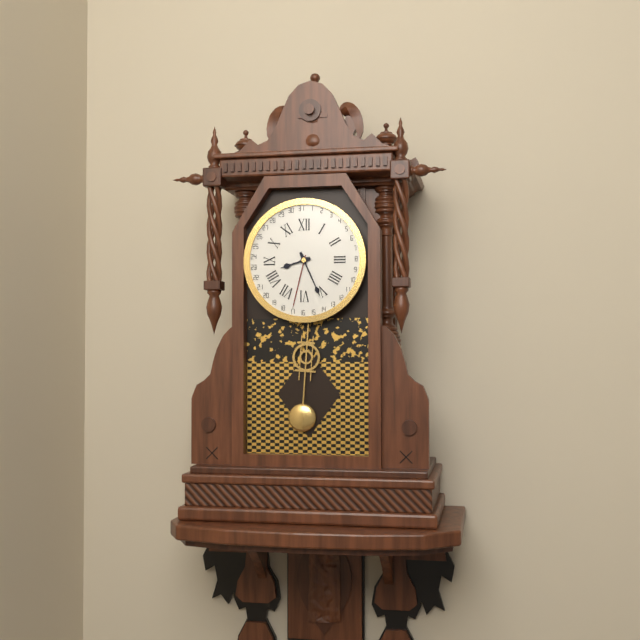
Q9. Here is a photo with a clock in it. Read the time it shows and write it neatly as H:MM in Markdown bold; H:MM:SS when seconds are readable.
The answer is **8:26**
